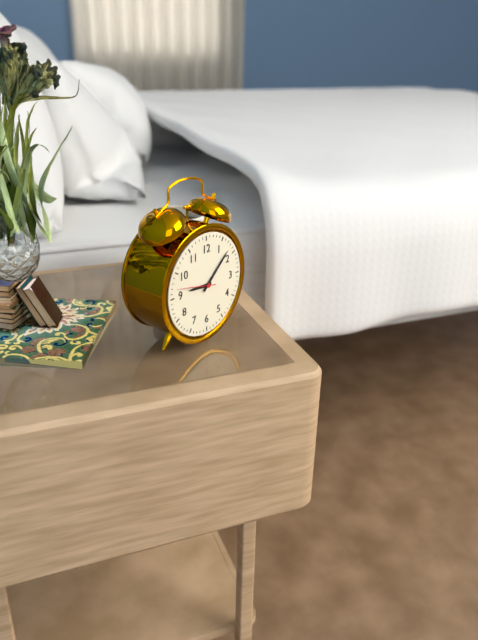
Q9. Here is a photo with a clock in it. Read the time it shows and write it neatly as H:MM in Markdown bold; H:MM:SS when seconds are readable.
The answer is **9:08**
